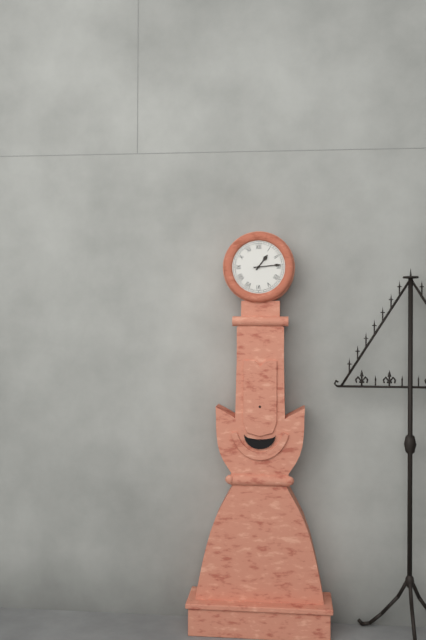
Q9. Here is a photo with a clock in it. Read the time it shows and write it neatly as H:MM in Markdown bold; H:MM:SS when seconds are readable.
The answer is **1:14**
